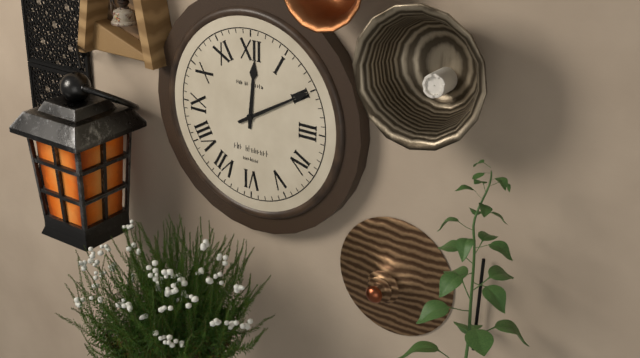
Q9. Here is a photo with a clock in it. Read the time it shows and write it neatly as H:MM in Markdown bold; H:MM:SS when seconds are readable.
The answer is **12:10**
